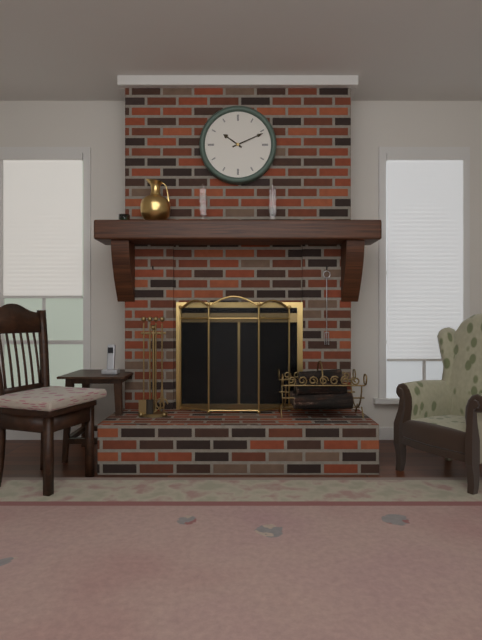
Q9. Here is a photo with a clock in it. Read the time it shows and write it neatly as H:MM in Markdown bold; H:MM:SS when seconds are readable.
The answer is **10:11**
